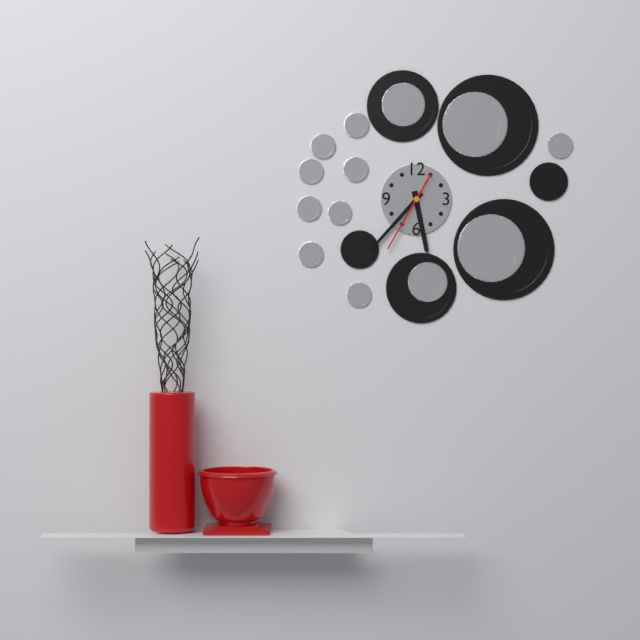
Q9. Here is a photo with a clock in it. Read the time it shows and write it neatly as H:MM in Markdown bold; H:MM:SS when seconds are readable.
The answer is **5:37:35**
